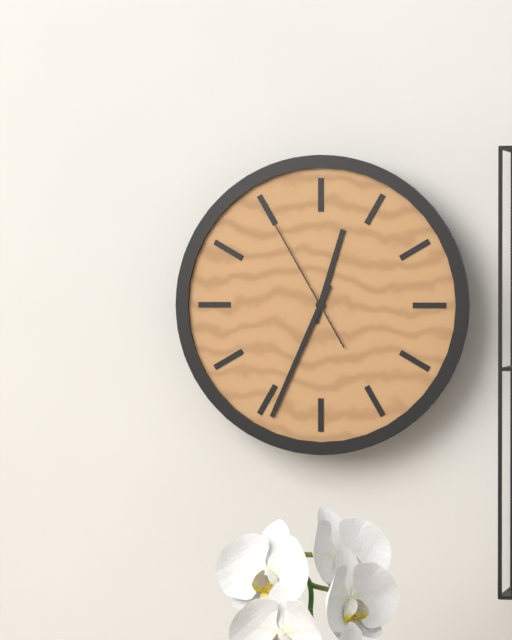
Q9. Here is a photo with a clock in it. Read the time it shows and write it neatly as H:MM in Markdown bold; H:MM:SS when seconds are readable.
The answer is **12:34:55**
